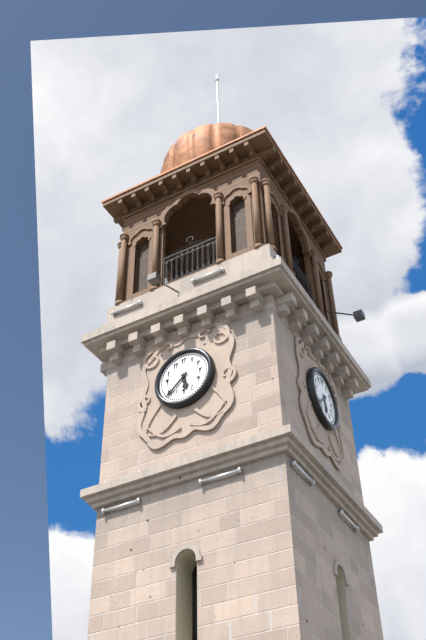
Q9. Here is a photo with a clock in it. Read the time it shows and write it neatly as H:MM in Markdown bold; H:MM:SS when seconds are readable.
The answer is **5:38**
